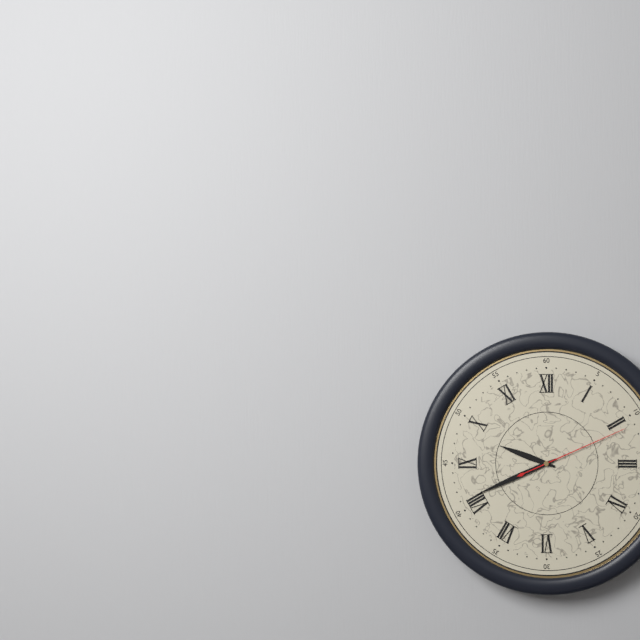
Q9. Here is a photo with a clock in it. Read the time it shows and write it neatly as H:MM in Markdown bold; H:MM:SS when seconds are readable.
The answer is **9:41:11**
